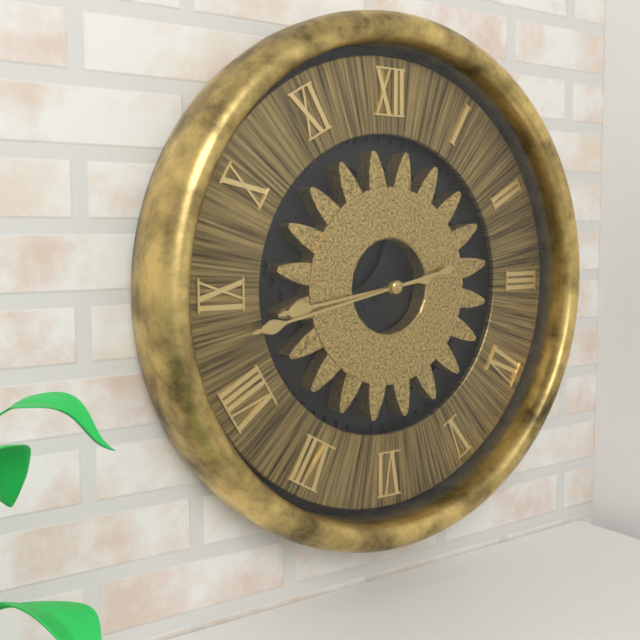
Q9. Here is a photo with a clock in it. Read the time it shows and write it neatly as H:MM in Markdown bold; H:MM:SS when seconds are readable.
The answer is **8:43**
